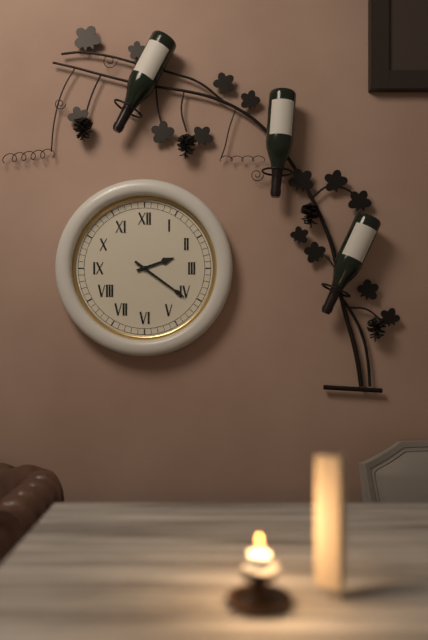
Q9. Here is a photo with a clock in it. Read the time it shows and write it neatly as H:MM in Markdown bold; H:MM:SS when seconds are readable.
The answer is **2:21**
